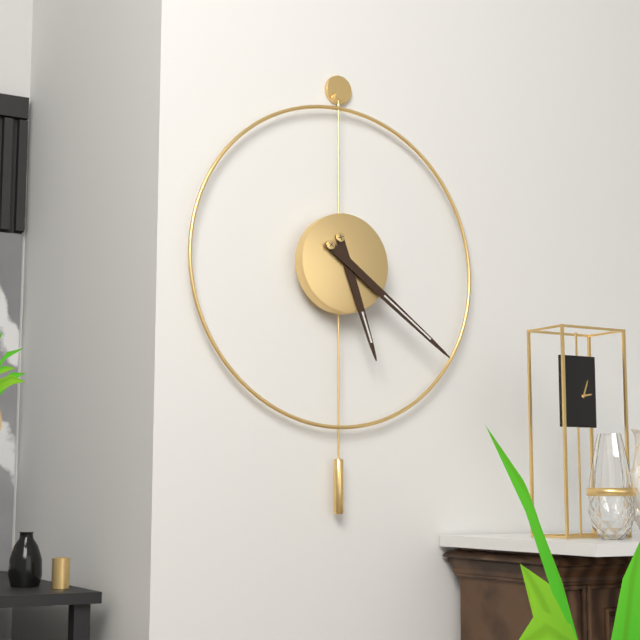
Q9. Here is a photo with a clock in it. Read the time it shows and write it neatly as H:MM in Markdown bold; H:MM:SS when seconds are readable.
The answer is **5:21**
